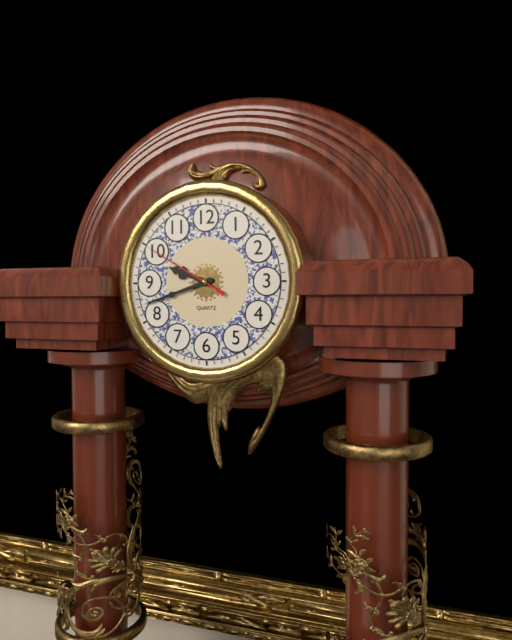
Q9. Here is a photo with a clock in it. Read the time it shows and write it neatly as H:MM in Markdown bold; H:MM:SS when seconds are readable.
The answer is **9:42:50**
